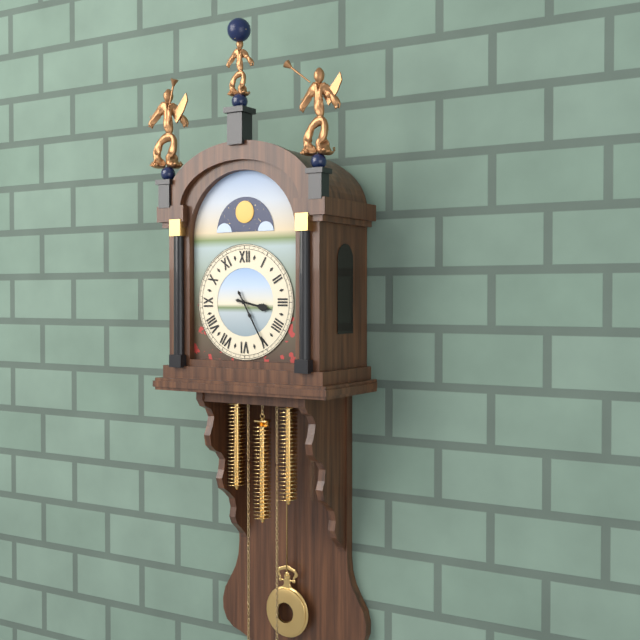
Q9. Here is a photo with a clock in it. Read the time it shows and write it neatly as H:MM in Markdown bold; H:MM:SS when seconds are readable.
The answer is **3:25**
